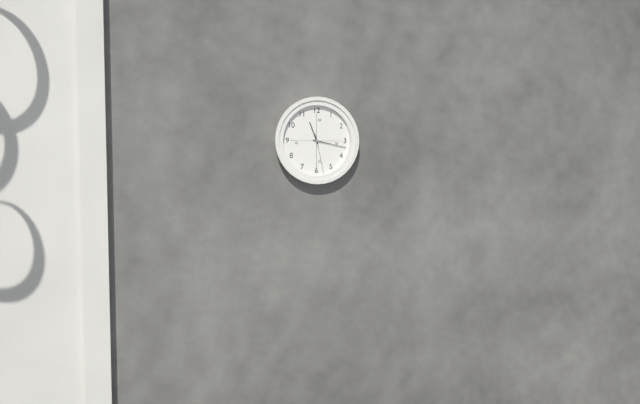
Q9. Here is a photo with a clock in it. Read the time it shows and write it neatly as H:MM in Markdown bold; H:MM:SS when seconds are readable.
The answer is **11:17**
